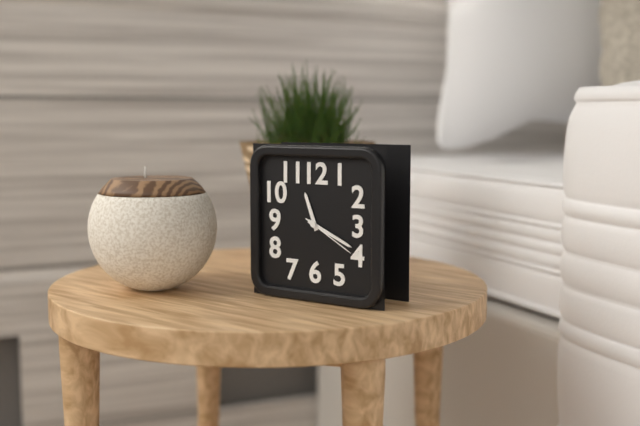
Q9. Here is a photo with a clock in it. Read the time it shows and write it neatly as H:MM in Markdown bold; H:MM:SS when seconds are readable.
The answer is **11:19:20**
